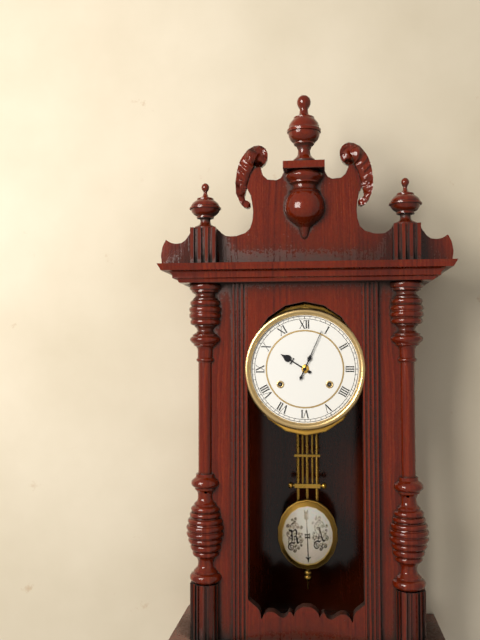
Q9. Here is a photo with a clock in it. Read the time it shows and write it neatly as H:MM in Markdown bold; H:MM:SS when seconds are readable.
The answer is **10:04**
